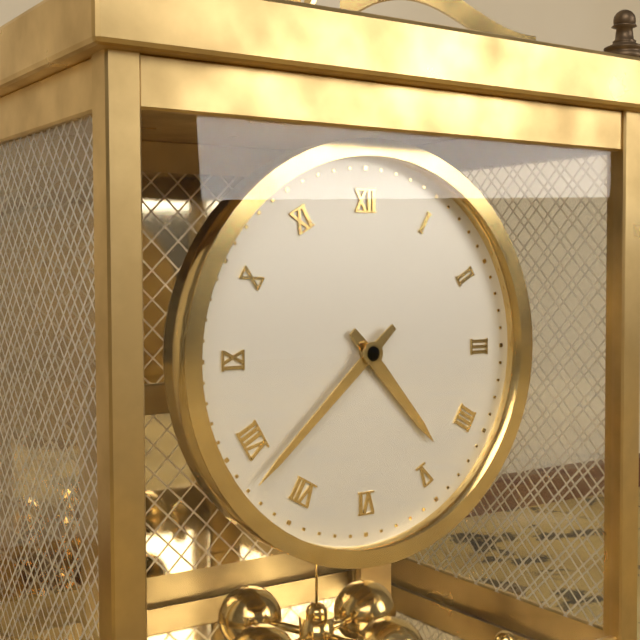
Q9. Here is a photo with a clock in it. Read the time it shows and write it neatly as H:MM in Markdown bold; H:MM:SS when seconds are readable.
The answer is **4:38**
